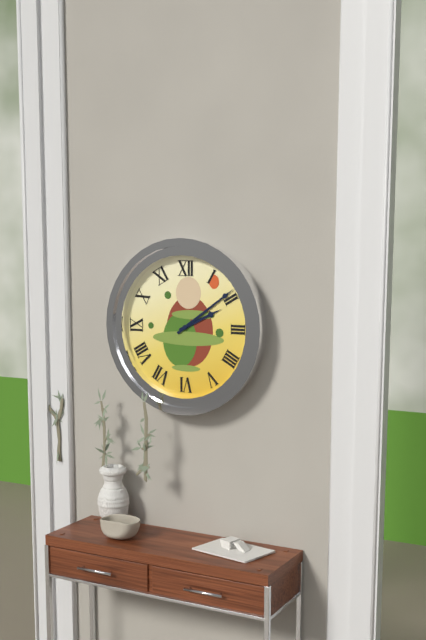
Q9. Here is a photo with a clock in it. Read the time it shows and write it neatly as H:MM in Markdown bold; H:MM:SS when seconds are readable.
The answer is **2:09**
